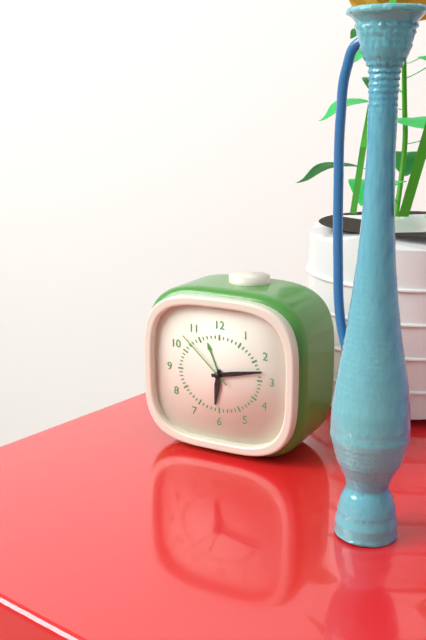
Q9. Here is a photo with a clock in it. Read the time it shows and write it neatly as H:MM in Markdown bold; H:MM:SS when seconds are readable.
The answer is **6:13:52**
